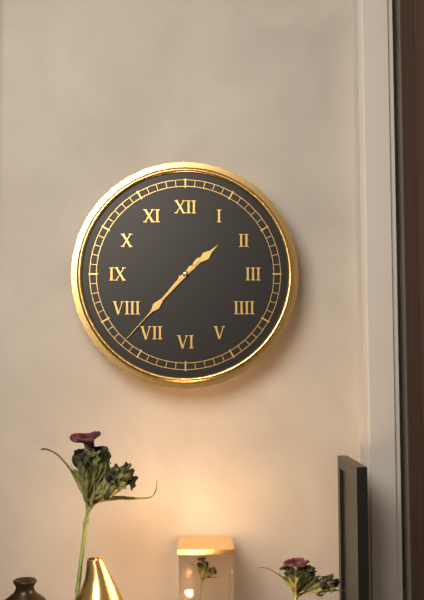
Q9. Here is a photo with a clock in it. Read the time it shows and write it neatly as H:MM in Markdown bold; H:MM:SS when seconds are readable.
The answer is **1:37:37**
